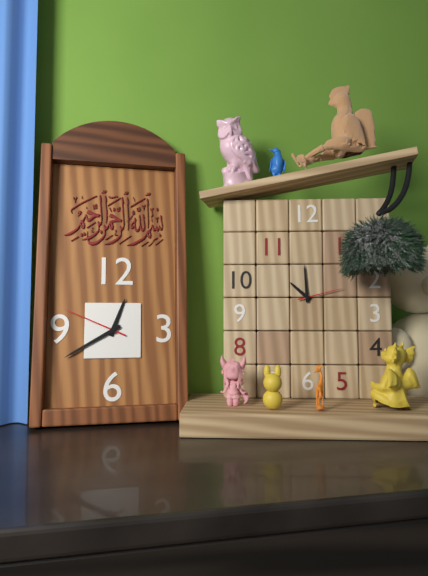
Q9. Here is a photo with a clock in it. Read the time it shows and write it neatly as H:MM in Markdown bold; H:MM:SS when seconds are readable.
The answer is **12:40:49**
